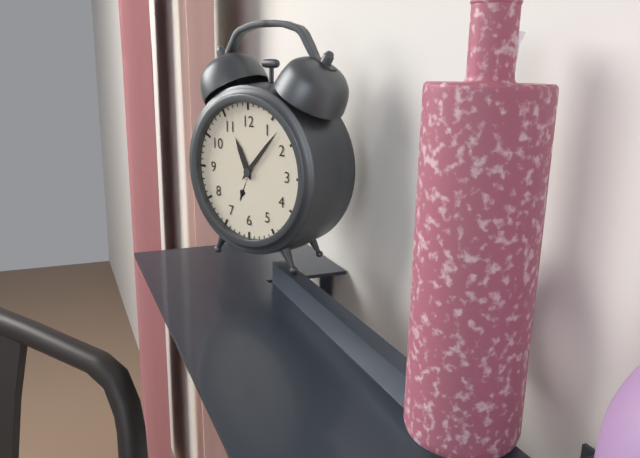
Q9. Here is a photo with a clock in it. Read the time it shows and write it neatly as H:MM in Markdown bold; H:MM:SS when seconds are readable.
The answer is **11:07**
